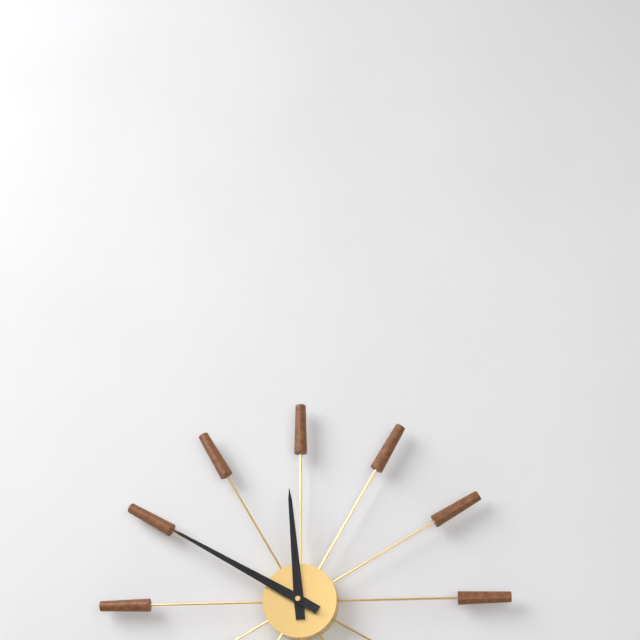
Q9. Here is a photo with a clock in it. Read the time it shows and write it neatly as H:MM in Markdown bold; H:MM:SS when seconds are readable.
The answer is **11:50**
